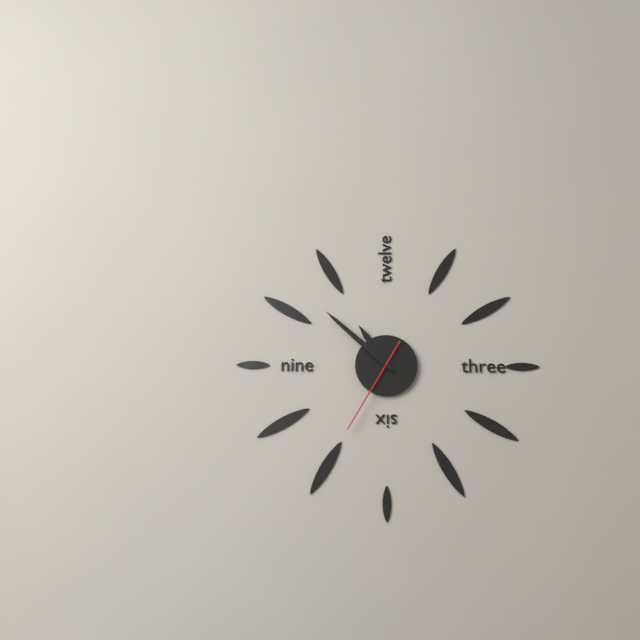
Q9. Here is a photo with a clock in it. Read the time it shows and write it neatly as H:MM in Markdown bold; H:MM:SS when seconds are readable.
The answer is **10:52:35**
